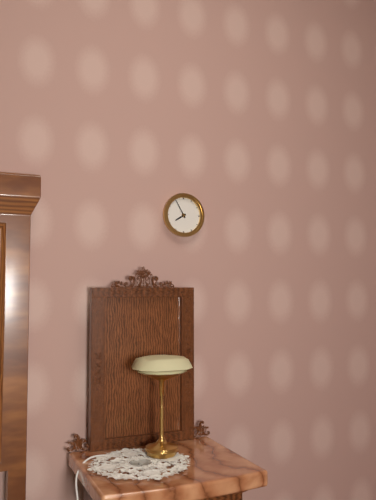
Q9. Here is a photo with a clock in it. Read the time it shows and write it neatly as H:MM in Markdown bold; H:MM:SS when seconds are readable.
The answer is **7:55**
